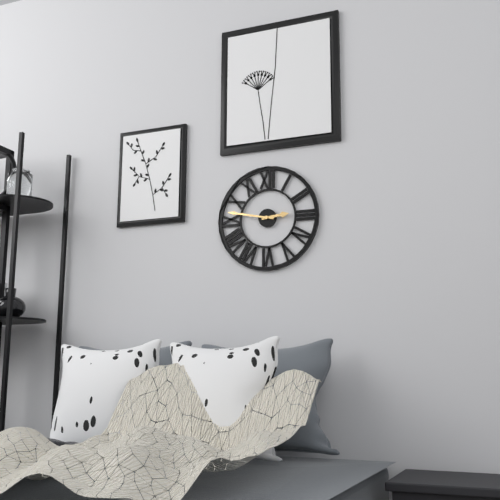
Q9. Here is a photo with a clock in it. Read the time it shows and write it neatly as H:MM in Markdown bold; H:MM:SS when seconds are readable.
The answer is **2:47**
